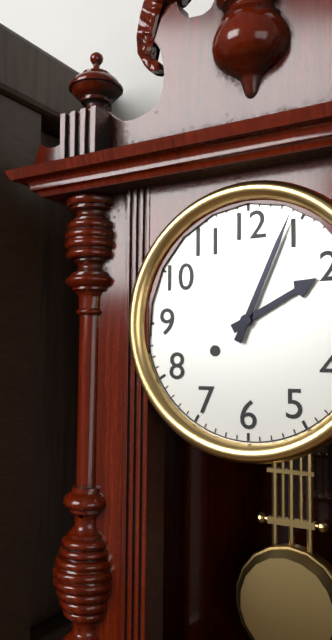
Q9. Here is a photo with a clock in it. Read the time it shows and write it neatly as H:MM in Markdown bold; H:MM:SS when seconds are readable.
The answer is **2:04**
